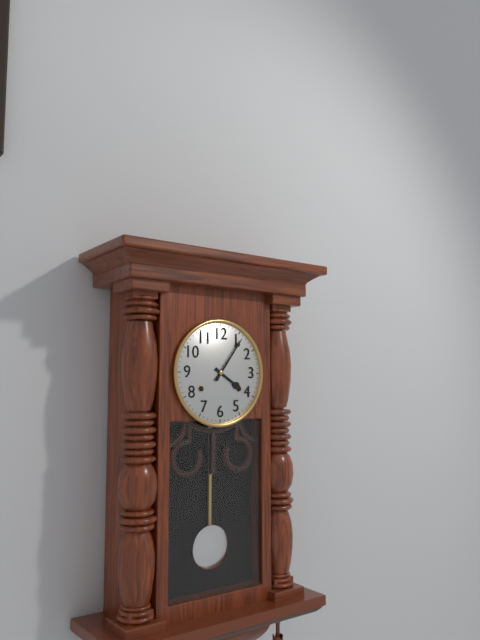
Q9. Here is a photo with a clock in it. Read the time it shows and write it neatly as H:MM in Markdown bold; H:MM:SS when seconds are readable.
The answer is **4:06**
